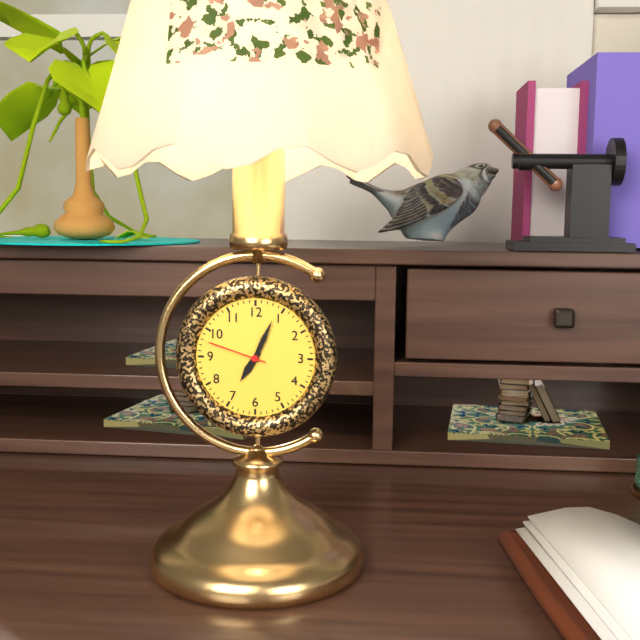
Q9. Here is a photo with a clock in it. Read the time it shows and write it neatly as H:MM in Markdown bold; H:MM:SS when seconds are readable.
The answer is **7:04:48**
